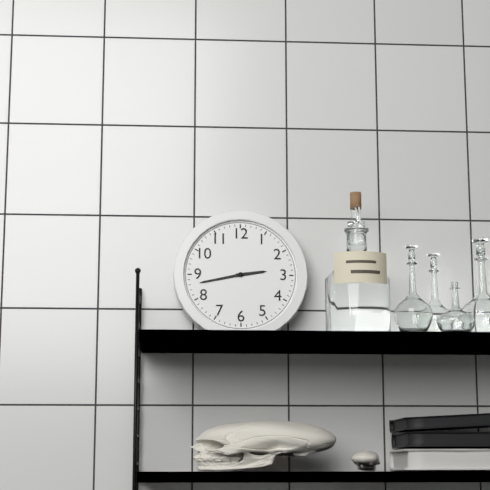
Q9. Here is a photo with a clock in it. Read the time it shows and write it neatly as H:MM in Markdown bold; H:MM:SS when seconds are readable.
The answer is **2:43**
